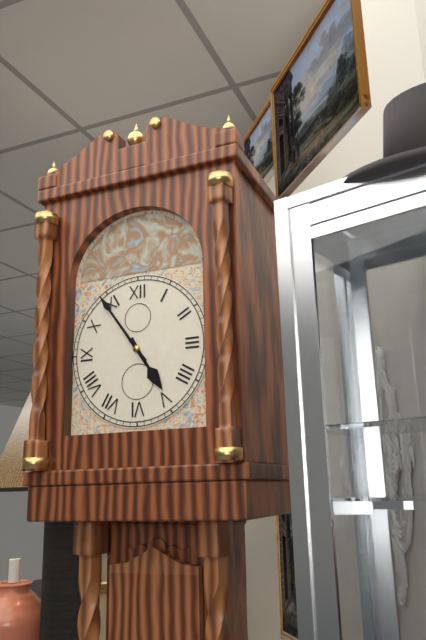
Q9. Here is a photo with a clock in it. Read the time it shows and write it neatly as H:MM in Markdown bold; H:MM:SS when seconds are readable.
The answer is **4:54**
